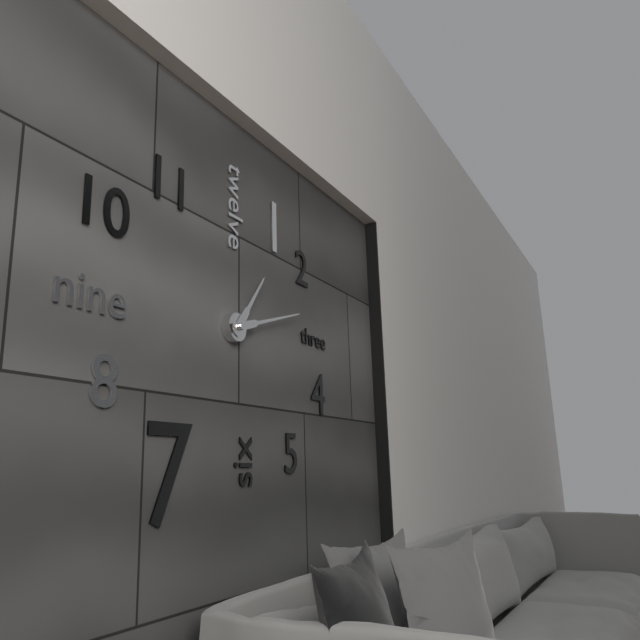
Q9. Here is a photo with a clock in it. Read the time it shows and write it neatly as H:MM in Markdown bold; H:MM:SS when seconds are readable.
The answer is **1:12**
